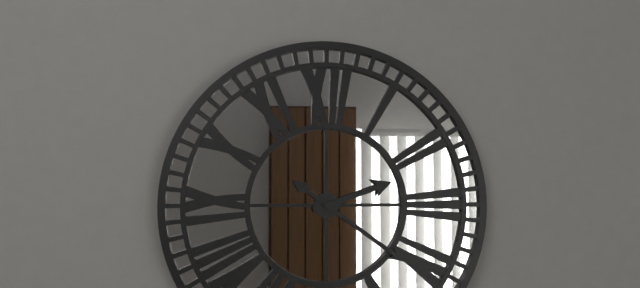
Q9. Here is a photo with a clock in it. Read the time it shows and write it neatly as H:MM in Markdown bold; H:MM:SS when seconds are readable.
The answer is **2:21**
